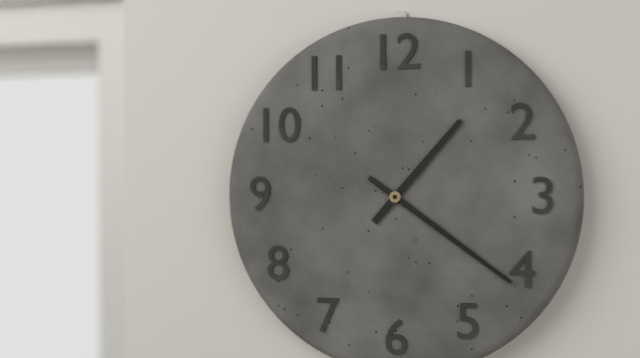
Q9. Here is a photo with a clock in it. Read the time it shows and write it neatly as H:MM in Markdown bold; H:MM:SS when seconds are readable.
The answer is **1:21**
